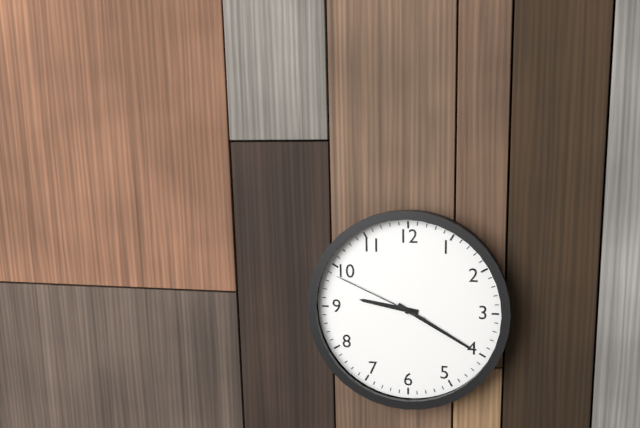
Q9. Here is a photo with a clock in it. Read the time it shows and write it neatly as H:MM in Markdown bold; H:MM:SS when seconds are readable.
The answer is **9:20:49**
